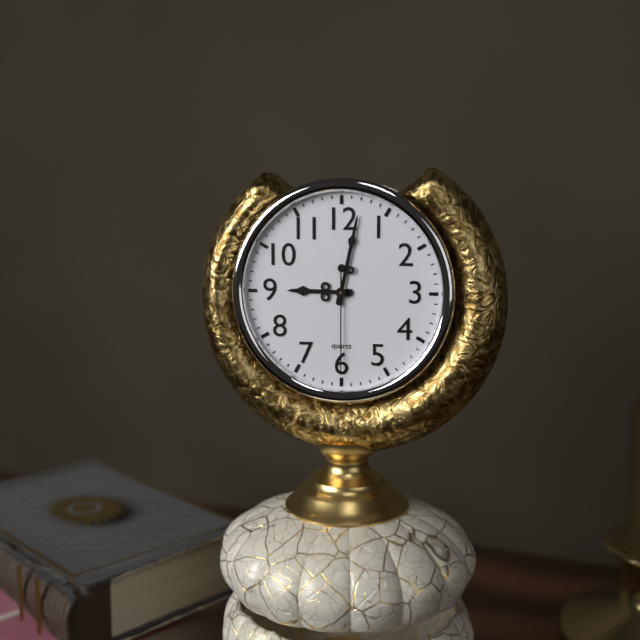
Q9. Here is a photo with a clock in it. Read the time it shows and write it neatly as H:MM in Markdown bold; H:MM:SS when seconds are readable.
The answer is **9:02:30**
